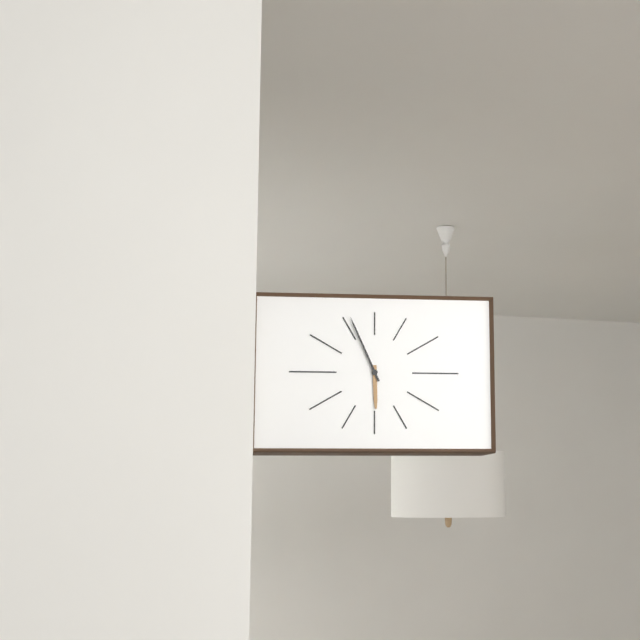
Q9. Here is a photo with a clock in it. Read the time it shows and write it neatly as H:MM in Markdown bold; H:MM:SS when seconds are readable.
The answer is **5:56**
